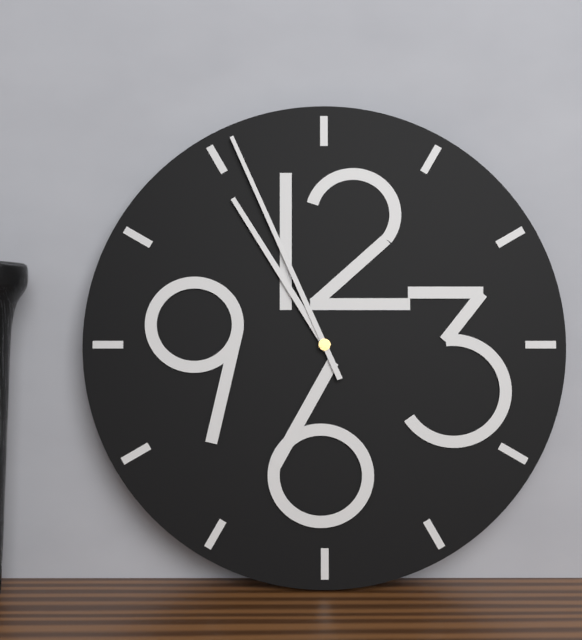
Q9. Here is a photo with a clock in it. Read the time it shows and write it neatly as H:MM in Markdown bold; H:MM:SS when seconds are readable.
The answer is **10:56**
